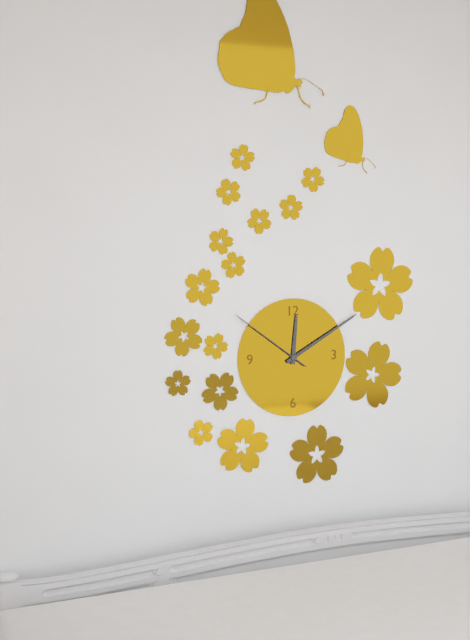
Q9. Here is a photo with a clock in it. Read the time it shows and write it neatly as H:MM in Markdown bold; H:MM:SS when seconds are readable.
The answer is **12:10:51**
